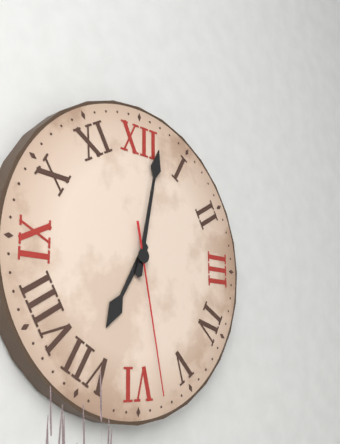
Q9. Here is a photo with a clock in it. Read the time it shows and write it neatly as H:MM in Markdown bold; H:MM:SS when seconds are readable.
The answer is **7:02:28**
